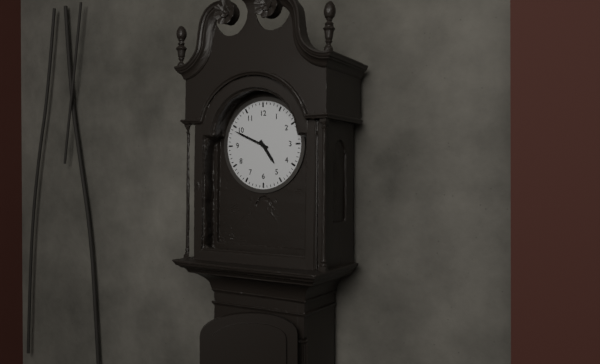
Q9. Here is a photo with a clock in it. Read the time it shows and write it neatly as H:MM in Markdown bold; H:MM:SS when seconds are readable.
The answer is **4:49**
